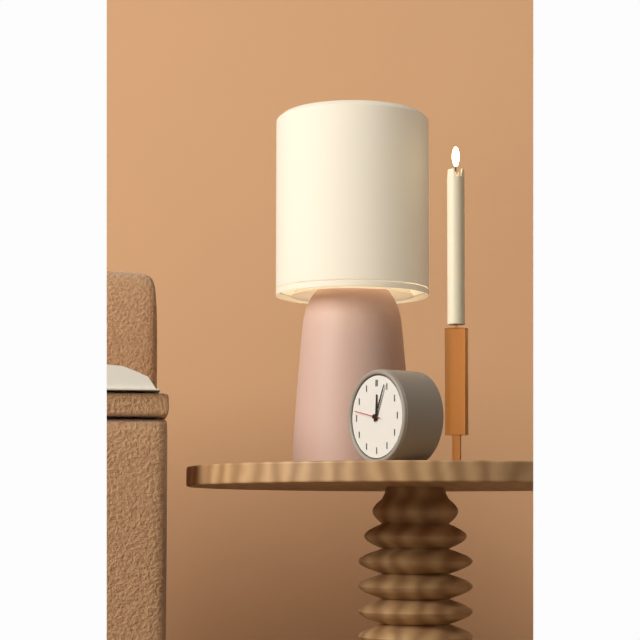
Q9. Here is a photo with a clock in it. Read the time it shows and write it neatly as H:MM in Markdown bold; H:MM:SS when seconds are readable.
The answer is **12:04**
